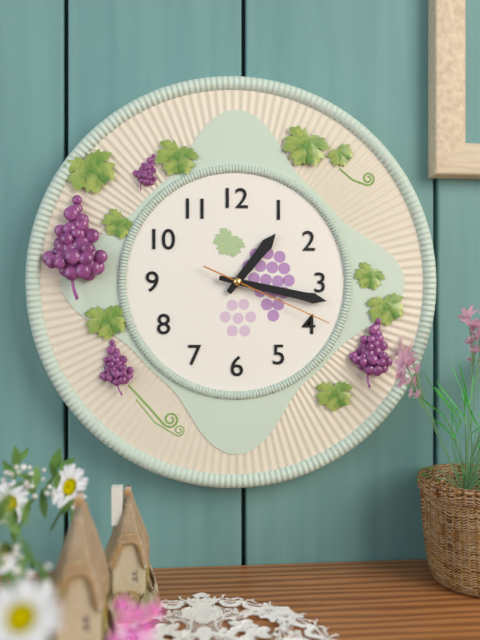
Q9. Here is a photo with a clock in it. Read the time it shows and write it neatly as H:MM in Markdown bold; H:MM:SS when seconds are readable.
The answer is **1:17:19**
